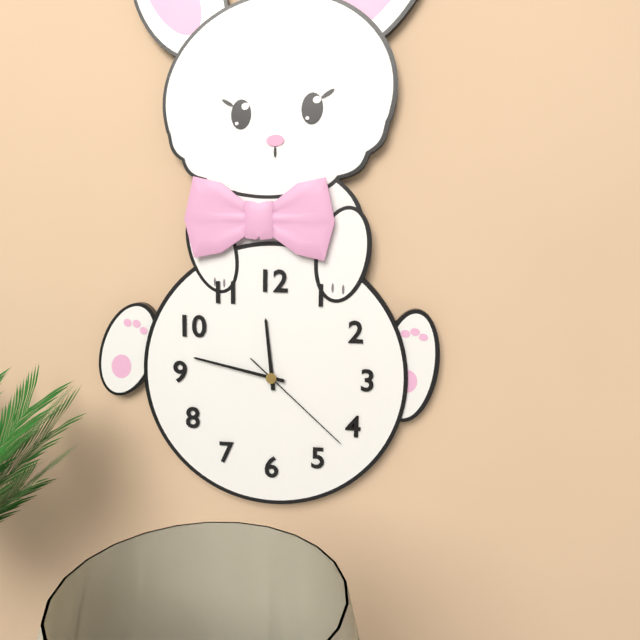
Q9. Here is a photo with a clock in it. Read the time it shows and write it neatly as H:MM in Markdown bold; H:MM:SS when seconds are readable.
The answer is **11:47:22**
